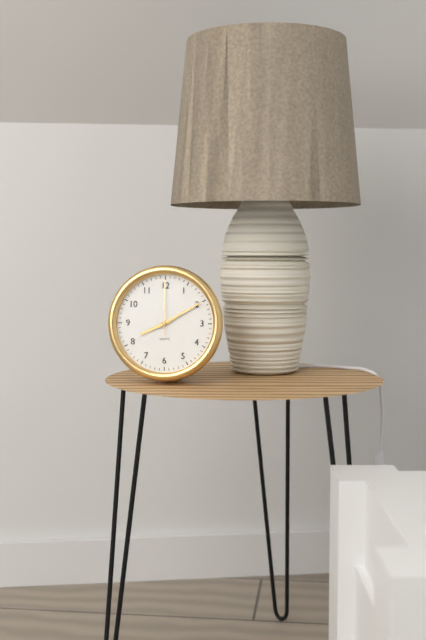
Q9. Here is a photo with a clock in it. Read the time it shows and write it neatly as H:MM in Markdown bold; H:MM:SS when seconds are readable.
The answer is **8:10:00**
